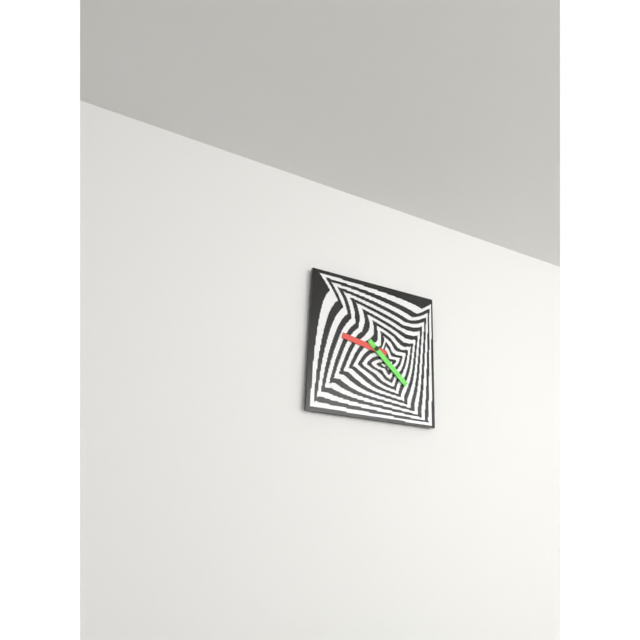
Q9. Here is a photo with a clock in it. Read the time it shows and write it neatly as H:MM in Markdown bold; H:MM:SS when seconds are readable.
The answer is **9:22**
